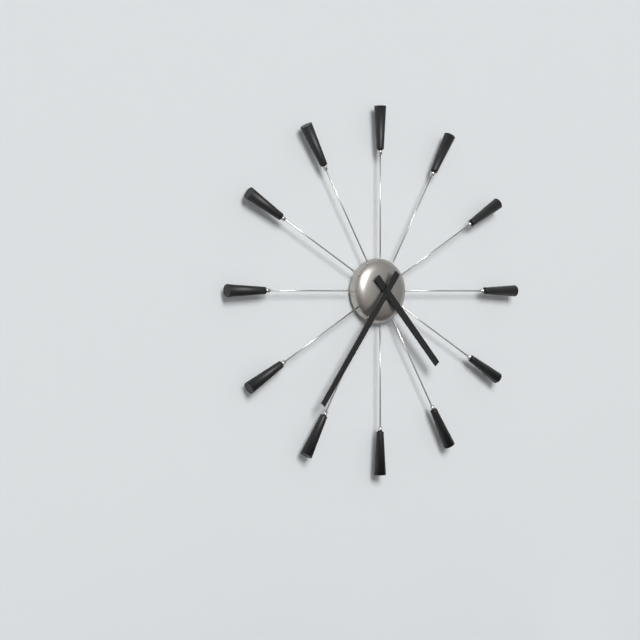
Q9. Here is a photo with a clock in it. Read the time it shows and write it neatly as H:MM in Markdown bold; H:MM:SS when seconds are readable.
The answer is **4:36**
